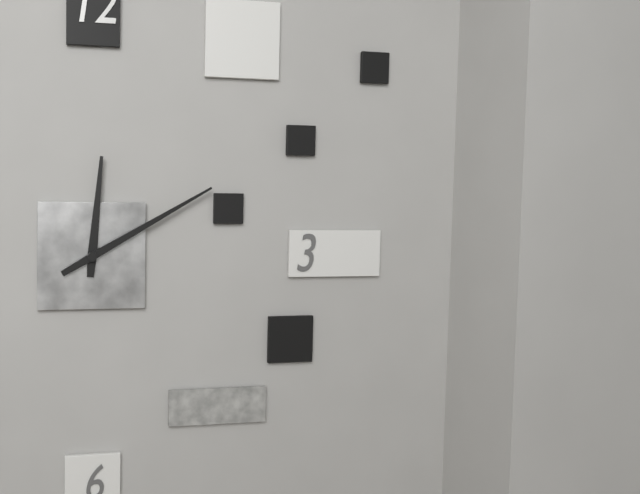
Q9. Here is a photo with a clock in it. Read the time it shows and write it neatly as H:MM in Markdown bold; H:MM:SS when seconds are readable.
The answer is **12:10**
